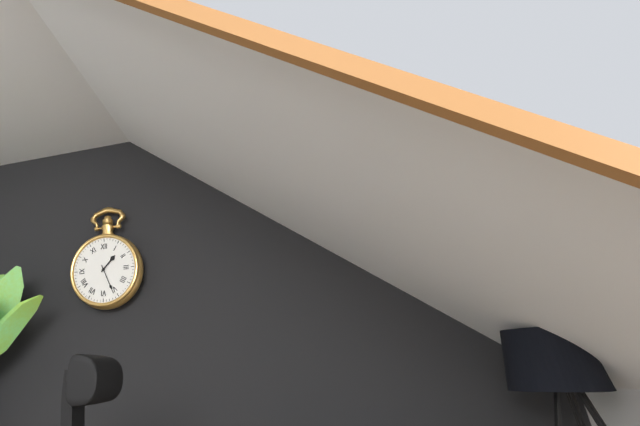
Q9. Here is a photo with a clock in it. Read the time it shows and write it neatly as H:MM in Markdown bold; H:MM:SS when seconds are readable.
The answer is **1:26**
